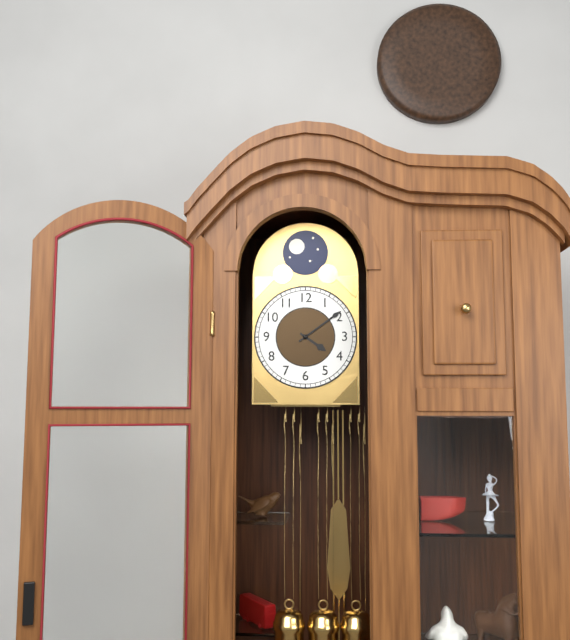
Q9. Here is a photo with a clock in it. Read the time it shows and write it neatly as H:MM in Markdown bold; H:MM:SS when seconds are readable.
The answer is **4:09**
